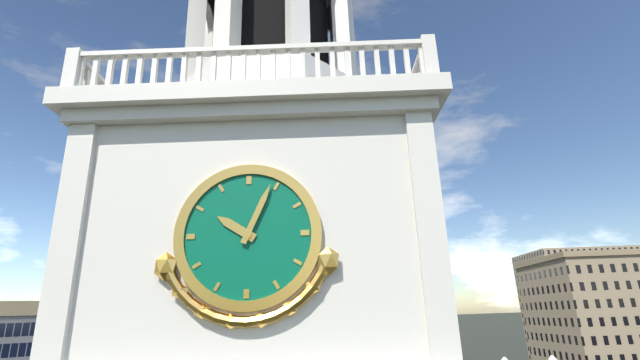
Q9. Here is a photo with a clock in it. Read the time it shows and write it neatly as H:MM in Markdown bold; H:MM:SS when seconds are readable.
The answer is **10:04**
